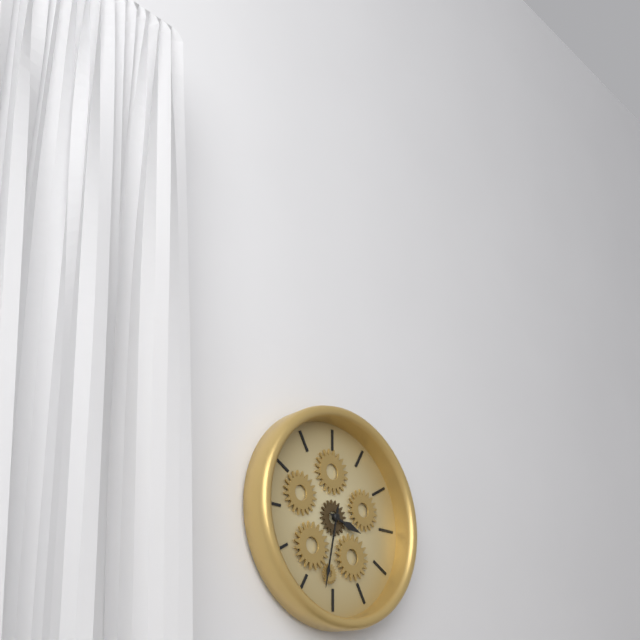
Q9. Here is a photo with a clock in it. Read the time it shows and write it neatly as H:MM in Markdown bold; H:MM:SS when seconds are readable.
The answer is **3:32**
